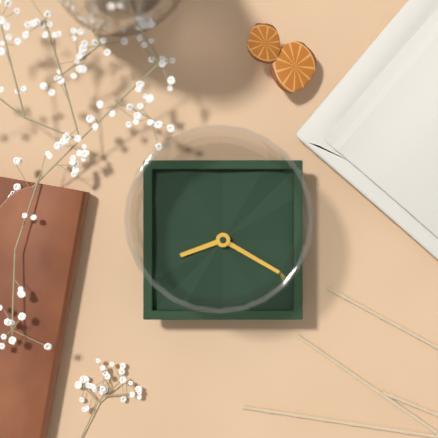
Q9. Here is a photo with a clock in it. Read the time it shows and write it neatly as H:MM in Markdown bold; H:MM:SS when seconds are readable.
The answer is **8:20**
